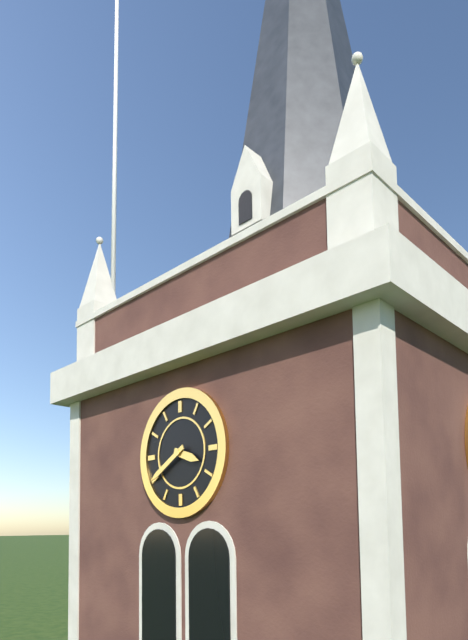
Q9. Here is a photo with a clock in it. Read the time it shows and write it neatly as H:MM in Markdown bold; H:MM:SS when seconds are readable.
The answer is **3:40**
